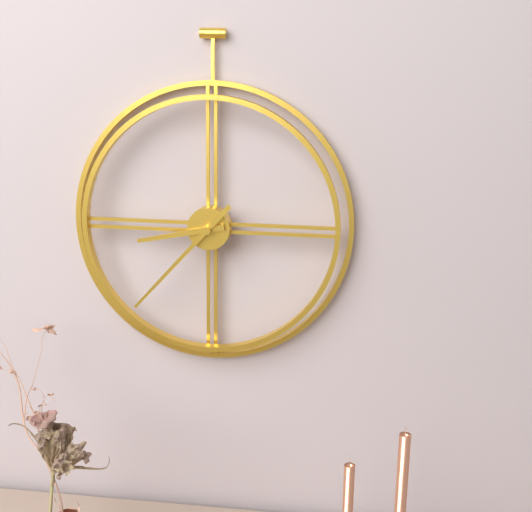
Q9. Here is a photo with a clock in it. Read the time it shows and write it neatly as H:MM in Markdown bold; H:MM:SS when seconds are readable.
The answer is **8:37**
